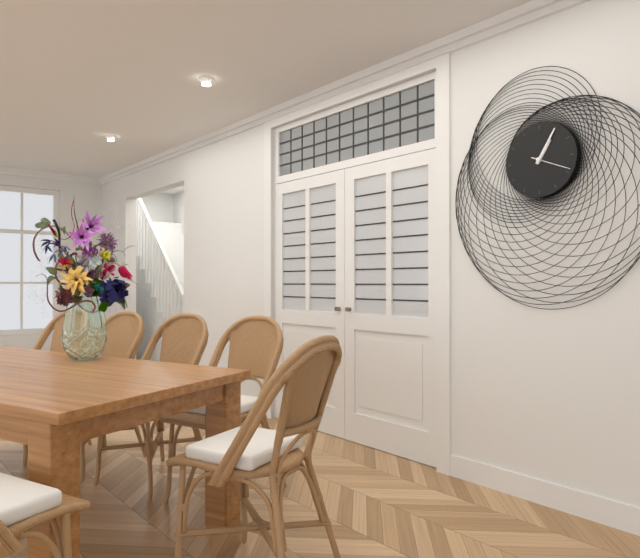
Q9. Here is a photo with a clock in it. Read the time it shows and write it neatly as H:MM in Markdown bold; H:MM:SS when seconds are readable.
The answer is **1:05**
